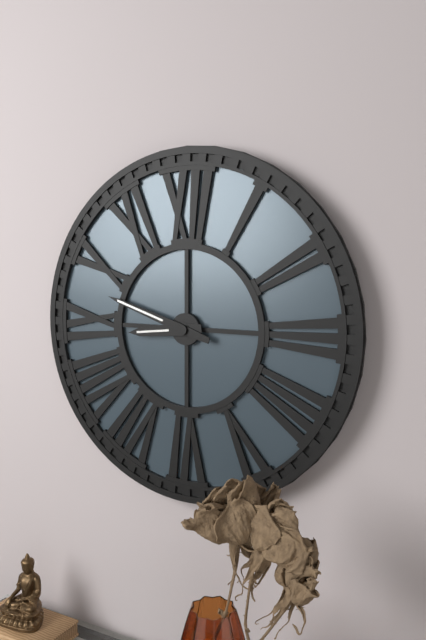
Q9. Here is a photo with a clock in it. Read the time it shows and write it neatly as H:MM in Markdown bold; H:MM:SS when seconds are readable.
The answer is **8:48**
